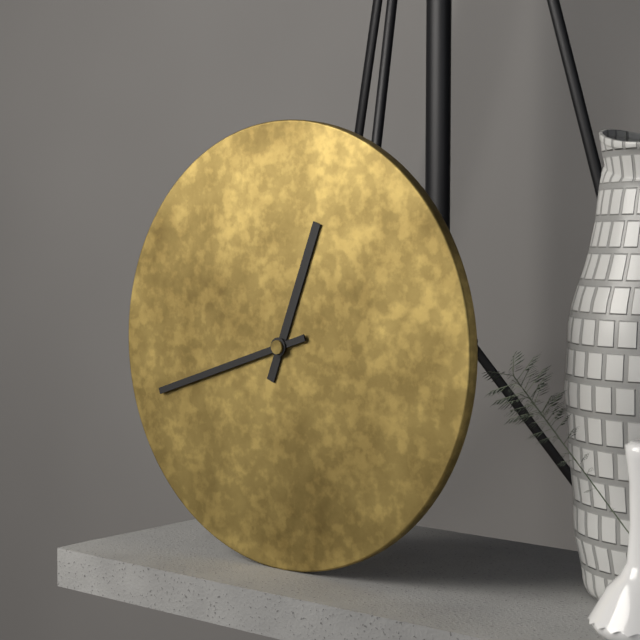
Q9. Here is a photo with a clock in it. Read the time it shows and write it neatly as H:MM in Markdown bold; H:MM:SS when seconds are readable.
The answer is **12:42**
